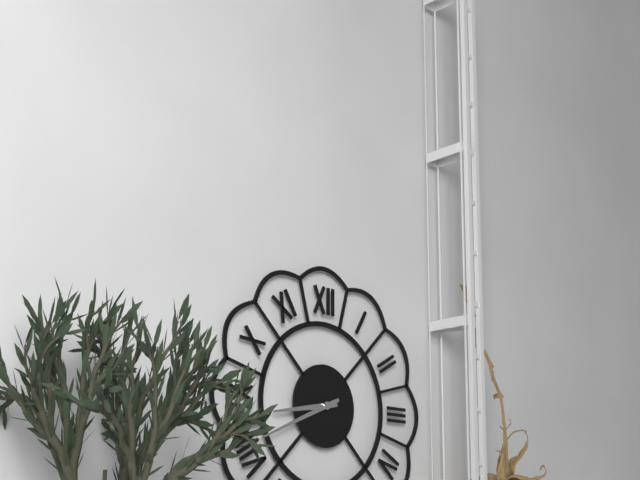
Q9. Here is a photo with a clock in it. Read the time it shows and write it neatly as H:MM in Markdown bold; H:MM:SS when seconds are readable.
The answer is **8:41**
